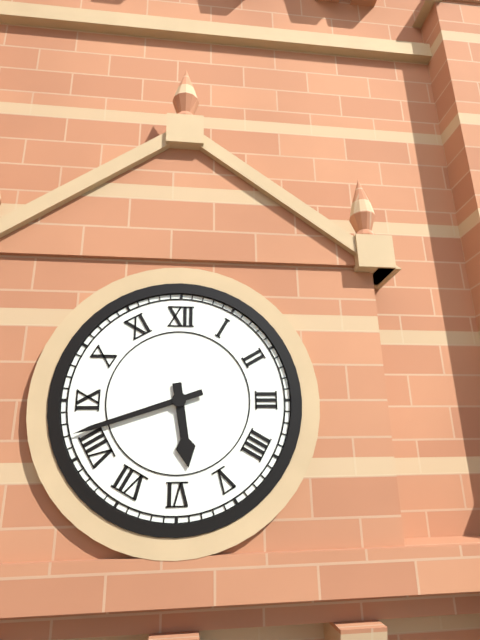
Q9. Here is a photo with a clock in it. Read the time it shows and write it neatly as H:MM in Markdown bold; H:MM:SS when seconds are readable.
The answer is **5:42**
